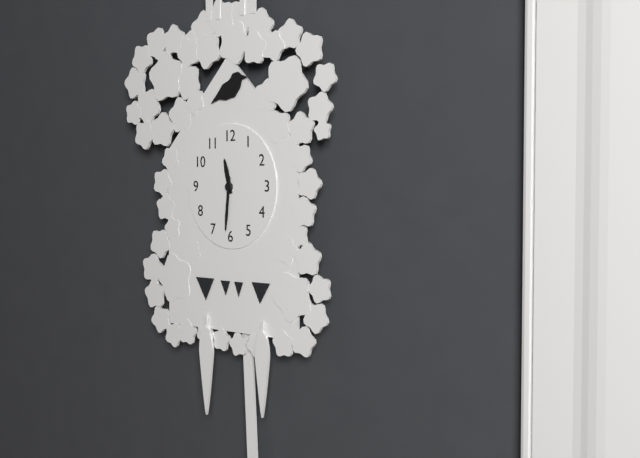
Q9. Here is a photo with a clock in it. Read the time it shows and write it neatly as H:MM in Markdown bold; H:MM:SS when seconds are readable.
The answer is **11:31**
